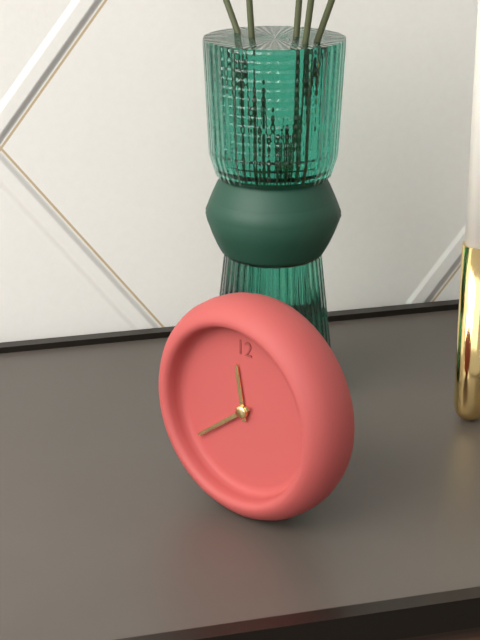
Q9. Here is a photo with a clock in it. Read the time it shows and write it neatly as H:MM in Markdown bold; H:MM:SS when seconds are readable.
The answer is **11:39**
